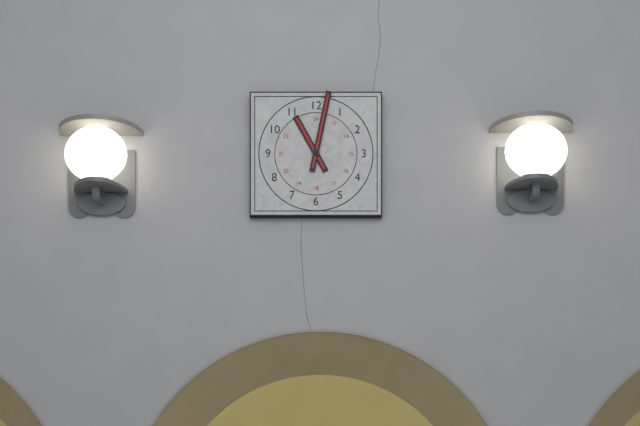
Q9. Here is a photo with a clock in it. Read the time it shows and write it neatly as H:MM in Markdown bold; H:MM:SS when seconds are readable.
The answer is **11:02**
